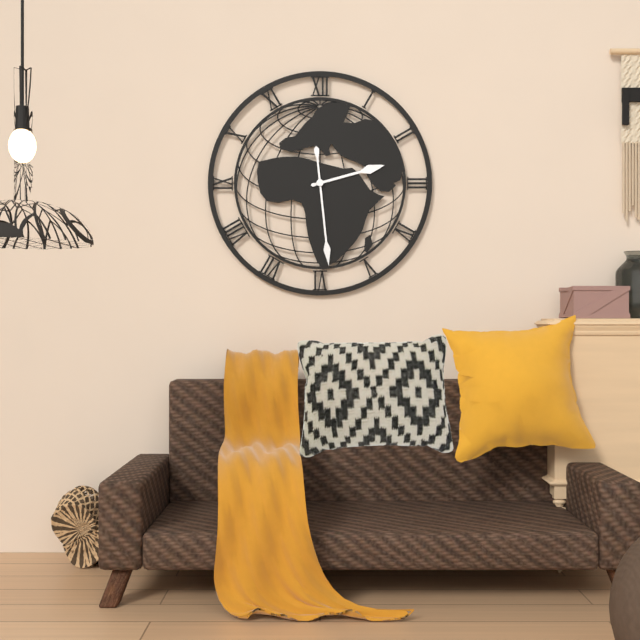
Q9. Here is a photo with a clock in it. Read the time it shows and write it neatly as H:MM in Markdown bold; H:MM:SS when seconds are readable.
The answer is **2:29**
